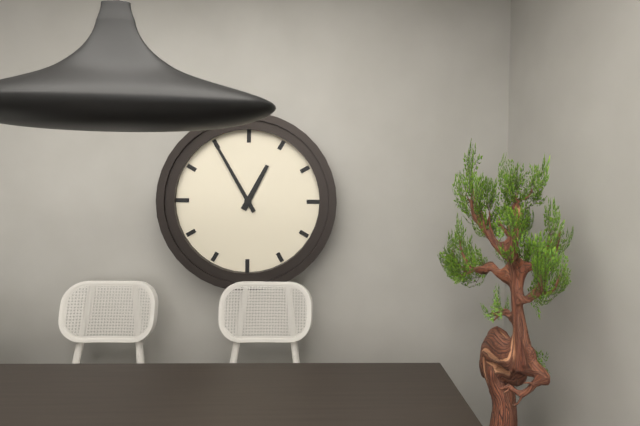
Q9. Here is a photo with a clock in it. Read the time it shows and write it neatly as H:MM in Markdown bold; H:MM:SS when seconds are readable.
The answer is **12:55**
